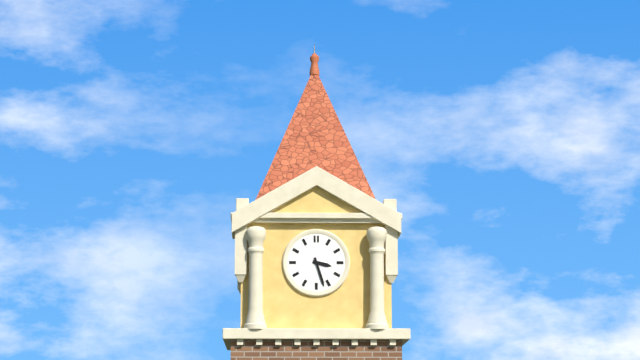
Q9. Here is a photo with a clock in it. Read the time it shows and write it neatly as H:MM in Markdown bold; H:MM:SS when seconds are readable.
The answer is **3:27**
